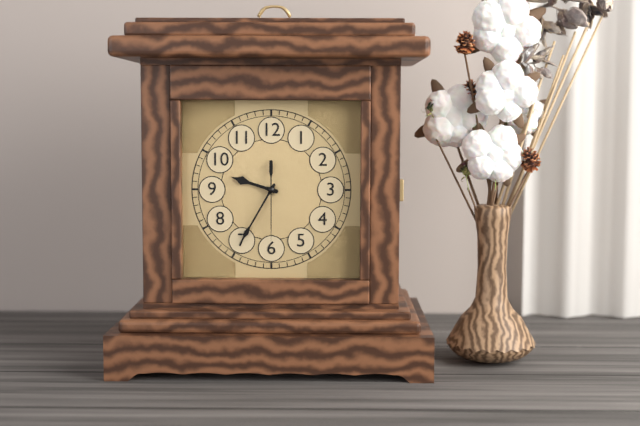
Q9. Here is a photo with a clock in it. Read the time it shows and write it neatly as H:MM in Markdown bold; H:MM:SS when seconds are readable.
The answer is **9:35:30**
